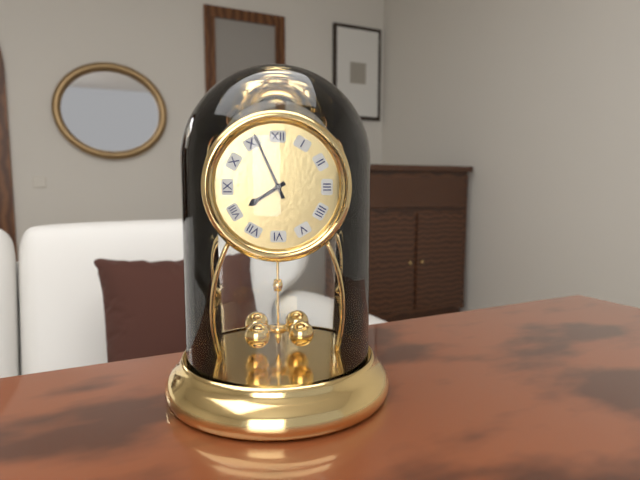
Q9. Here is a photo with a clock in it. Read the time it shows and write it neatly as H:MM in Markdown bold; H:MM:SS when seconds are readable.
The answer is **7:56**
